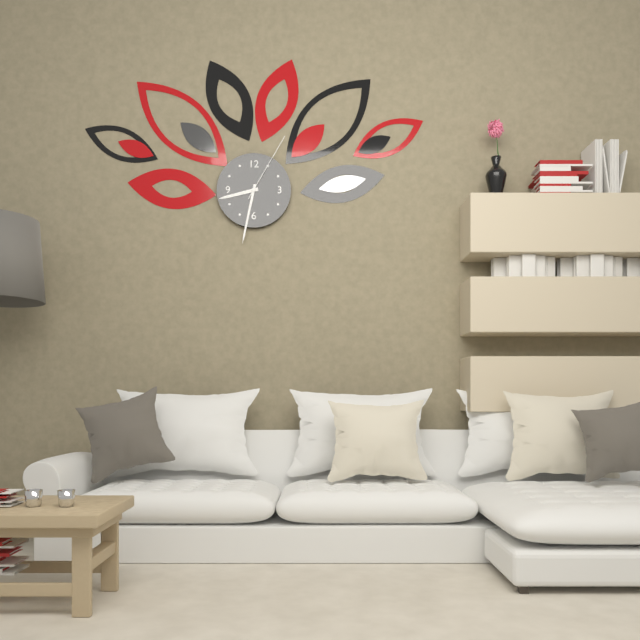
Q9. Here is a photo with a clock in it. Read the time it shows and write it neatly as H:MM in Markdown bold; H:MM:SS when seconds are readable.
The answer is **8:32:05**
